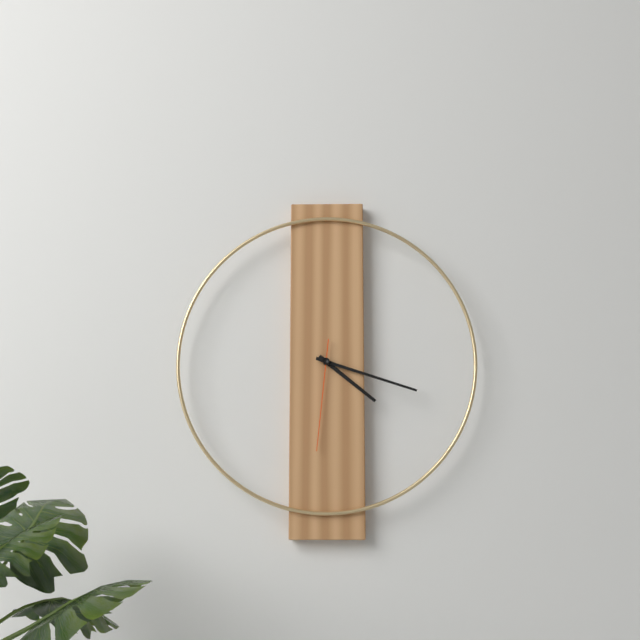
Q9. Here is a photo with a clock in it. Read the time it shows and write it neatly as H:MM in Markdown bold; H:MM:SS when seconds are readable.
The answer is **4:18:31**
